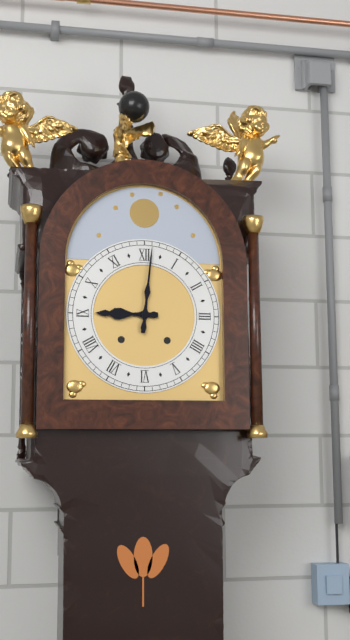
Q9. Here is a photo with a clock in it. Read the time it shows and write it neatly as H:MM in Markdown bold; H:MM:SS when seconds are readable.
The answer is **9:01**
